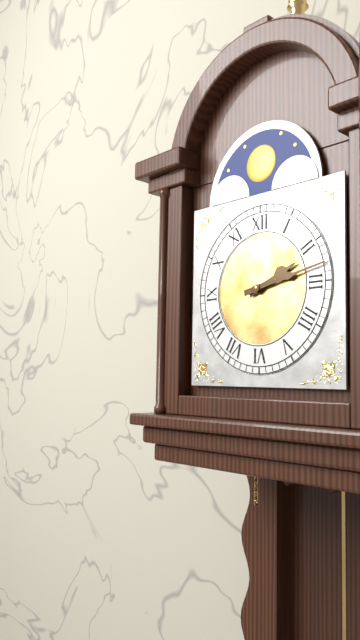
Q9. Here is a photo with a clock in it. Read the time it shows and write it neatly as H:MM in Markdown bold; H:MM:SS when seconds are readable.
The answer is **2:13**
